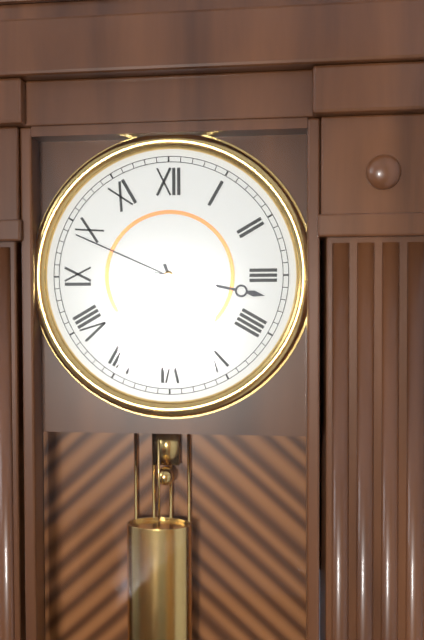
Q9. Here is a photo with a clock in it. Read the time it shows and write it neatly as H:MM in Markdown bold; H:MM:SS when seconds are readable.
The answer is **5:17:49**
